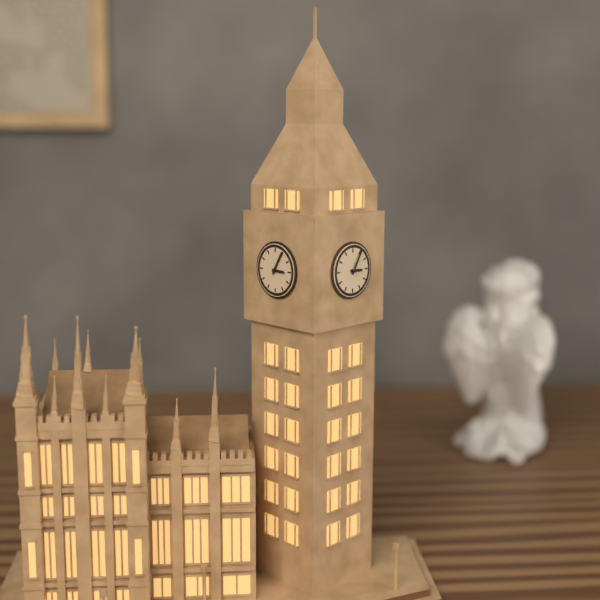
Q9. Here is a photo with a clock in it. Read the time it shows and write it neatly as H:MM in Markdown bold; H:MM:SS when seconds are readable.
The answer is **3:05**
